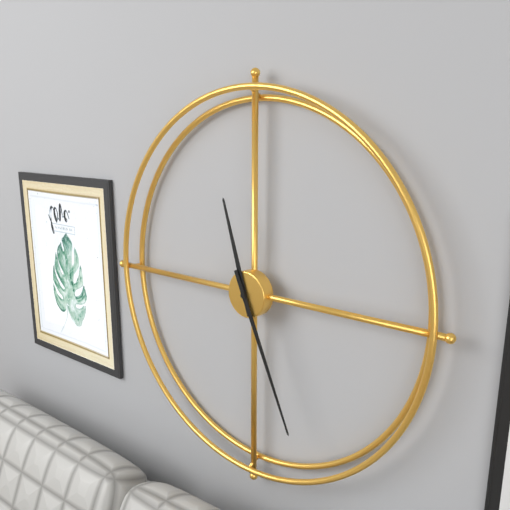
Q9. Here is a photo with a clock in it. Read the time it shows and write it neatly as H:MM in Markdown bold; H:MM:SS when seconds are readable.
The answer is **11:26**
